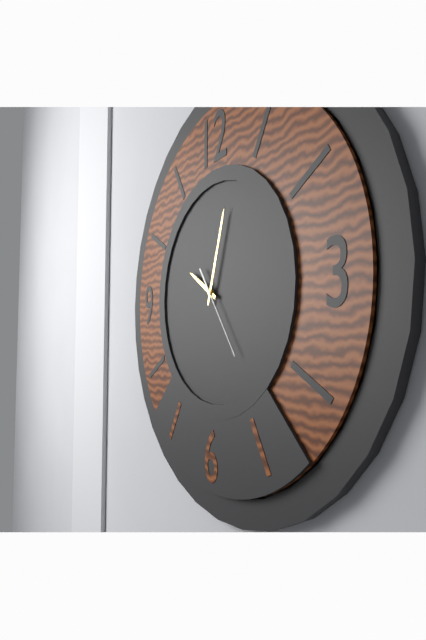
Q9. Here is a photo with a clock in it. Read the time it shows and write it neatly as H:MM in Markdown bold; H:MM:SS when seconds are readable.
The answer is **10:03:24**
